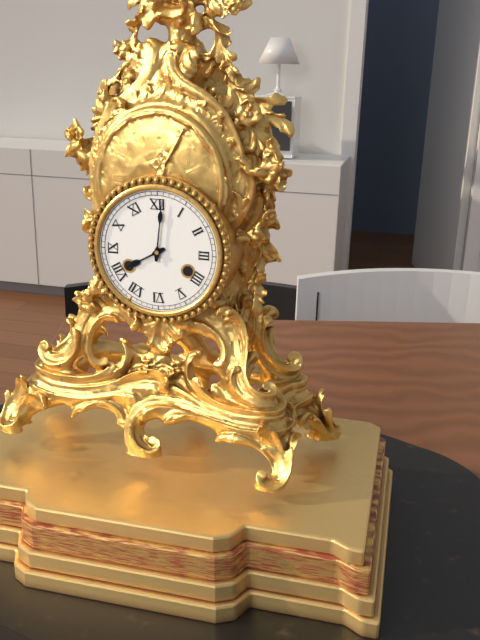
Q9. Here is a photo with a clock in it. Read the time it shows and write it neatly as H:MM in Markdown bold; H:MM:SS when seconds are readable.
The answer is **8:01**
